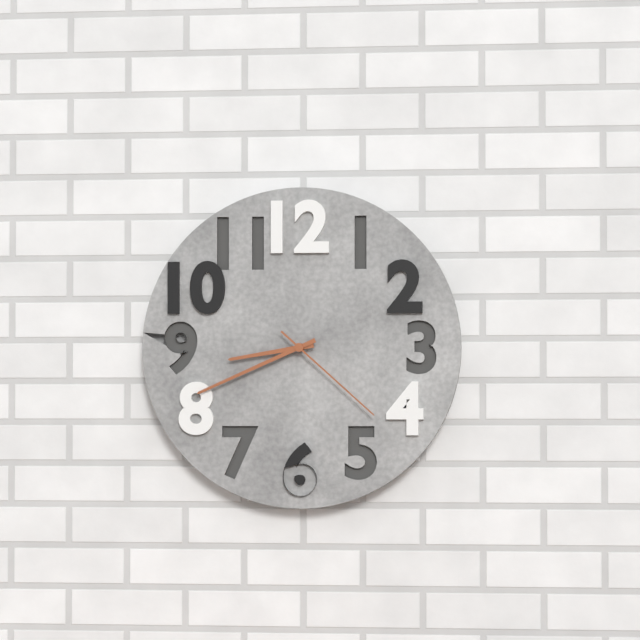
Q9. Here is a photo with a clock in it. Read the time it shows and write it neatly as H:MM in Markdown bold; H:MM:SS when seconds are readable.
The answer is **8:41:22**
